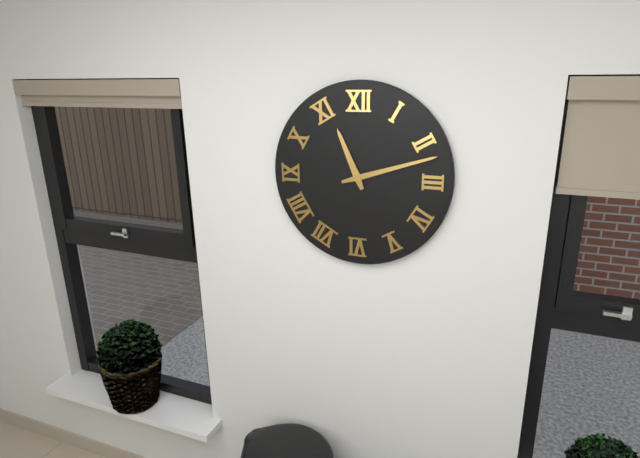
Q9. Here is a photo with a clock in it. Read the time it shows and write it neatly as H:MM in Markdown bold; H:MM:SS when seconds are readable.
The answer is **11:12**
